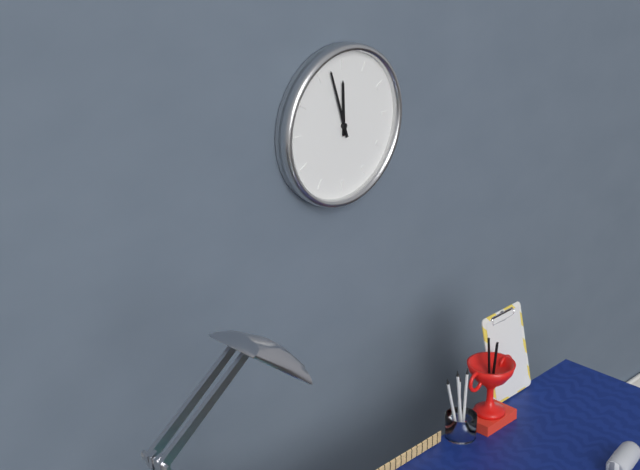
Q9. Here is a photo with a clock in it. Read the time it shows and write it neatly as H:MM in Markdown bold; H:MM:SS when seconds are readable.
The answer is **11:57**
